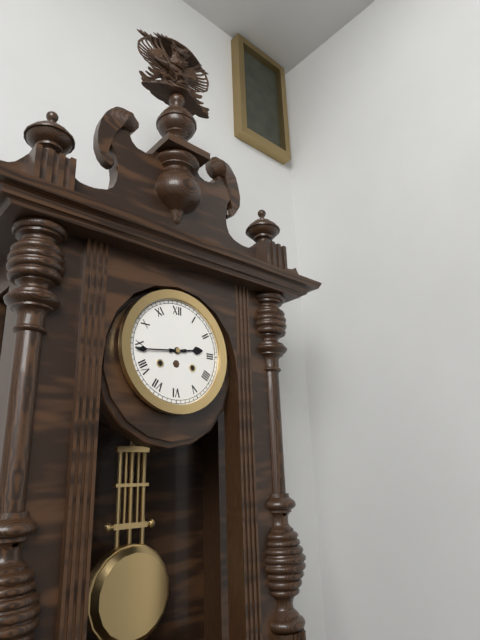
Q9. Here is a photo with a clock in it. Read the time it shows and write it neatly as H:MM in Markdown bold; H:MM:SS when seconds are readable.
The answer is **2:44**
